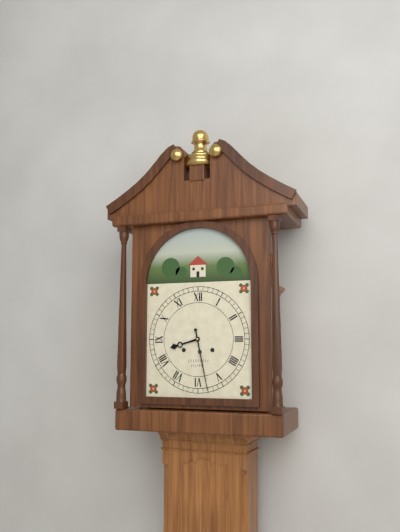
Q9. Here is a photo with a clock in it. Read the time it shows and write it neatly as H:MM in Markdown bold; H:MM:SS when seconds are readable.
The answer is **8:28**
